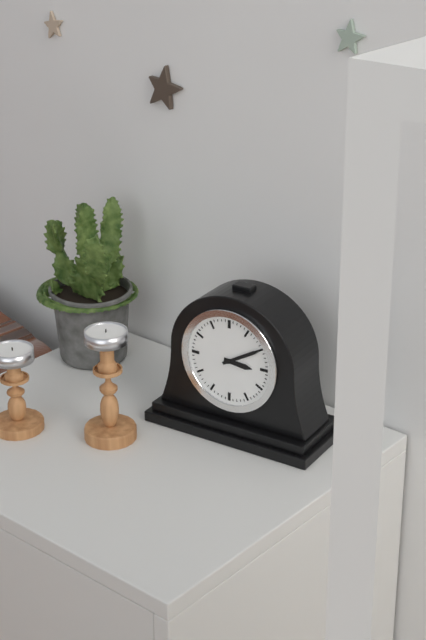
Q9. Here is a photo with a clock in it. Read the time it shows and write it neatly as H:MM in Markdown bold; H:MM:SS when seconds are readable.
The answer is **3:10**
